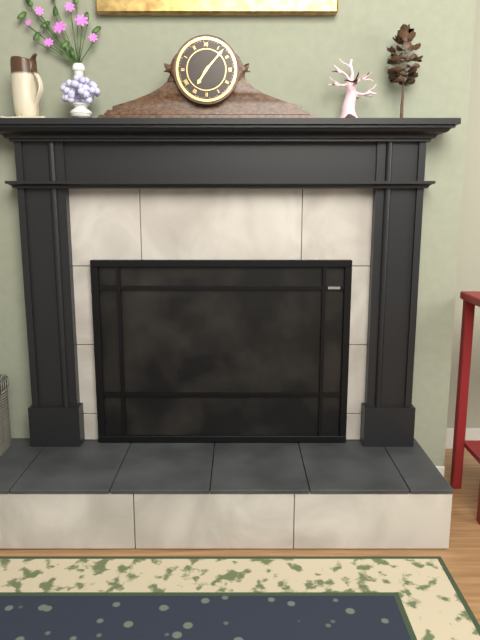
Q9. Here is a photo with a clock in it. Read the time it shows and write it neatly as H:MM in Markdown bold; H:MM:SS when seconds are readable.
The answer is **7:07**
